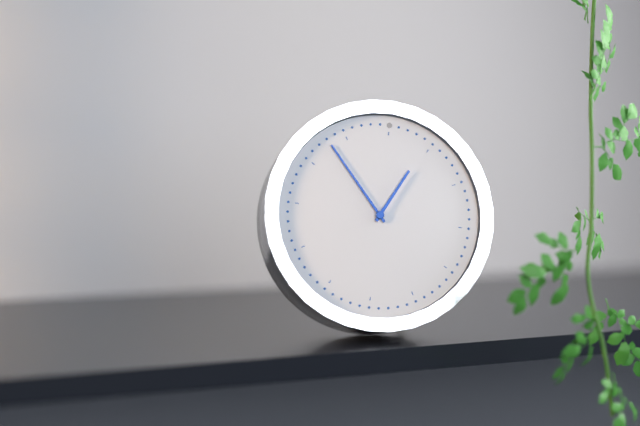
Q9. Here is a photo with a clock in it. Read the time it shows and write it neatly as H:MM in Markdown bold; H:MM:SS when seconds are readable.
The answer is **12:53**
